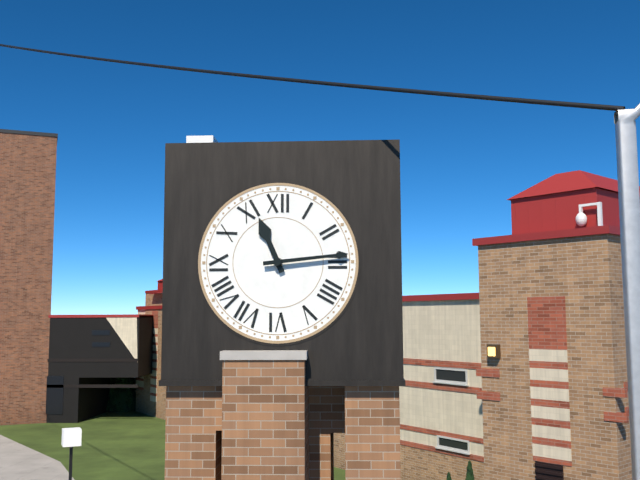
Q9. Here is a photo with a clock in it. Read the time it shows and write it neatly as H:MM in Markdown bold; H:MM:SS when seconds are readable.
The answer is **11:14**
